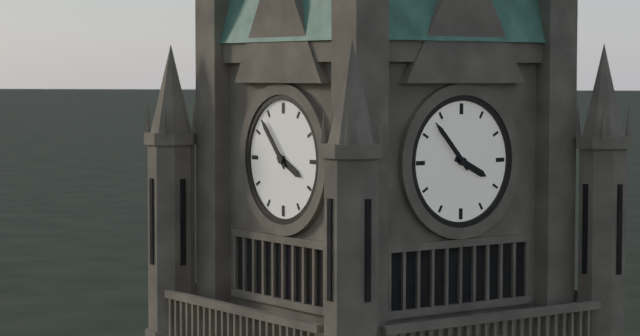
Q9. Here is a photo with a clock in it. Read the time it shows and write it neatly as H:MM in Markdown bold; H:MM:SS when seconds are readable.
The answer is **3:53**
